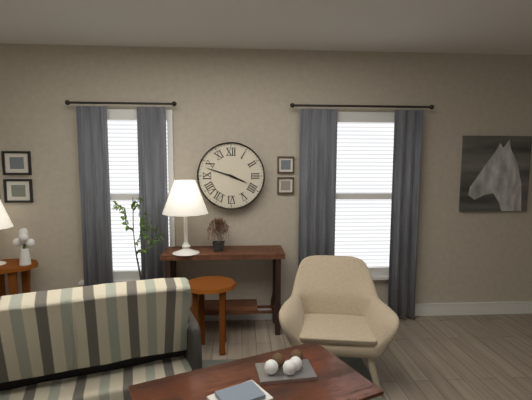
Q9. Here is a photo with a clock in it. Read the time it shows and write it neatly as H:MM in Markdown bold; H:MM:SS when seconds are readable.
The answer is **3:48**
